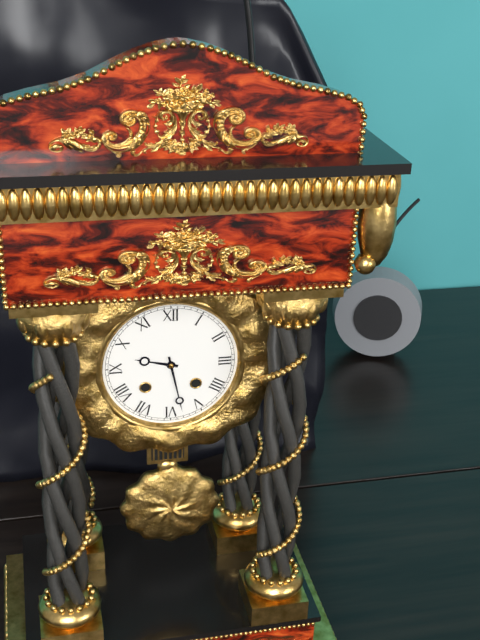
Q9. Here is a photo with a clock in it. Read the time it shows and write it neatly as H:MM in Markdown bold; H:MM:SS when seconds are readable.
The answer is **9:28**
